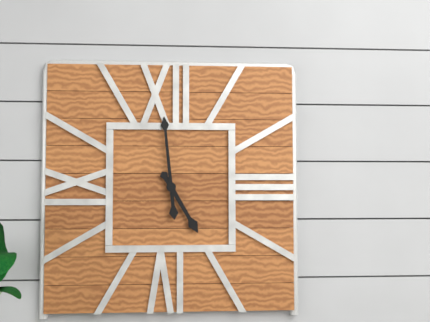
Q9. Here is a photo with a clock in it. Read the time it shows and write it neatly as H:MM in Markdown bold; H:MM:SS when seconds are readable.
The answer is **4:59**
